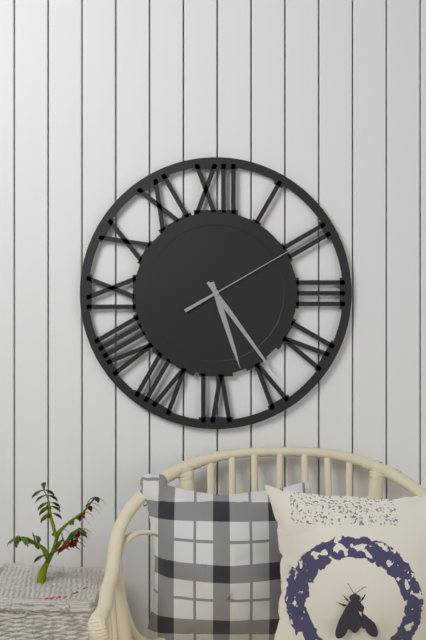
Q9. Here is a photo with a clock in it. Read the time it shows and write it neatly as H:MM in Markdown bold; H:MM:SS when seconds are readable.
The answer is **5:24:10**
